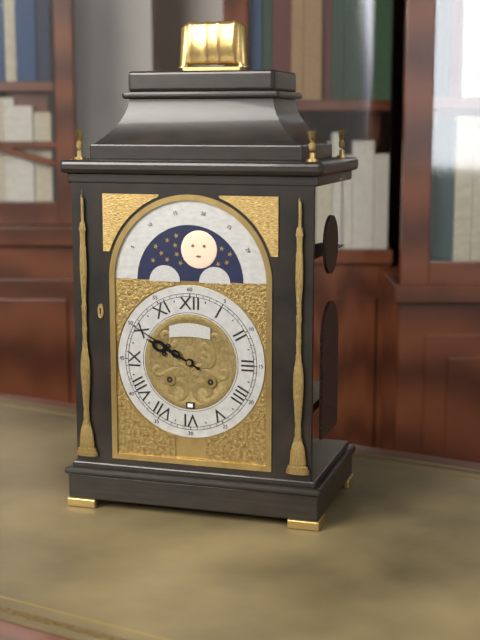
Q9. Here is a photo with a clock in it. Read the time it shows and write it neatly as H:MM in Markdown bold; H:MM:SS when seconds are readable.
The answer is **9:50**
